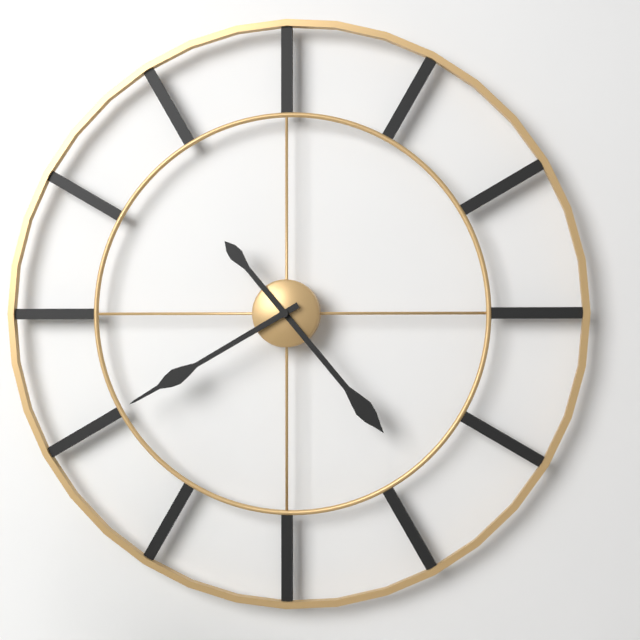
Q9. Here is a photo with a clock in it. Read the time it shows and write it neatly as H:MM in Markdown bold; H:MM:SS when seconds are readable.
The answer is **4:40**
